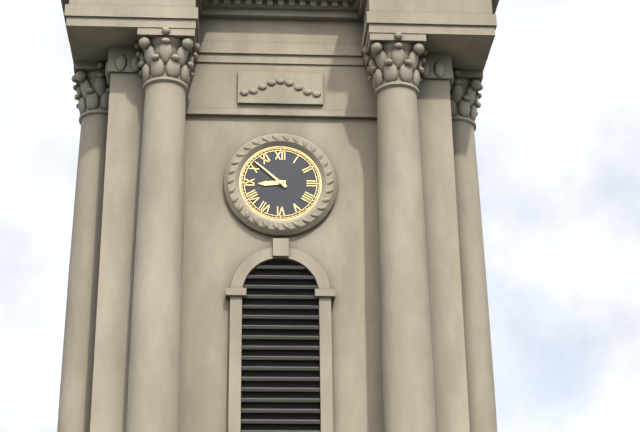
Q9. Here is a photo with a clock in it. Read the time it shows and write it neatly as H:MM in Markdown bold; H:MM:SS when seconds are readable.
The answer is **8:52**
